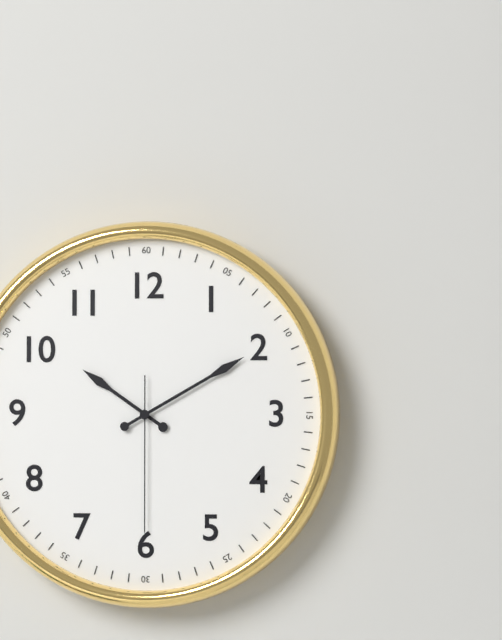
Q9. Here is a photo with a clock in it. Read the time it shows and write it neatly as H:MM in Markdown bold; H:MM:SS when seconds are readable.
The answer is **10:10:30**
